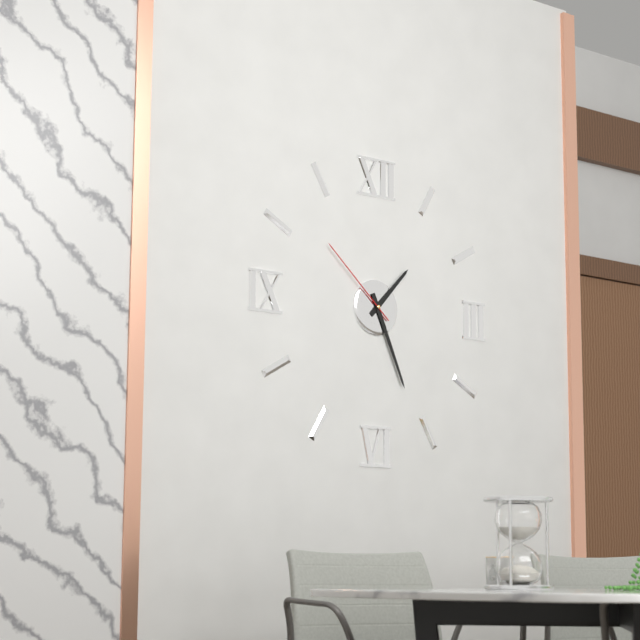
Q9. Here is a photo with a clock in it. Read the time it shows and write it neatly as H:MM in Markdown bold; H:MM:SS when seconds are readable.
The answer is **1:26:52**
